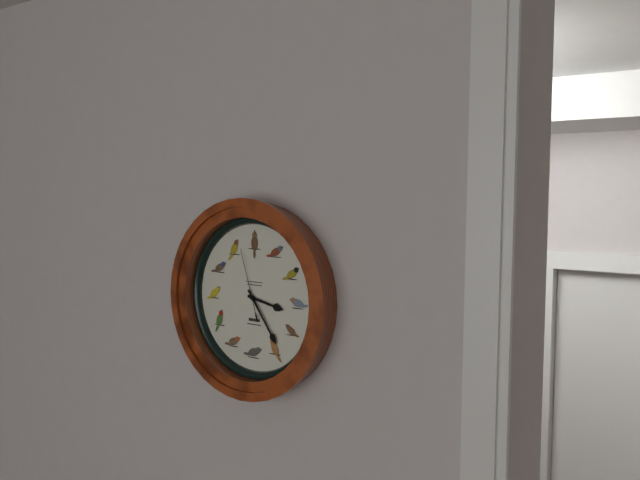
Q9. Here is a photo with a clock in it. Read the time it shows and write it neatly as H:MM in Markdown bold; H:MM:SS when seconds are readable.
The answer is **3:24:57**
